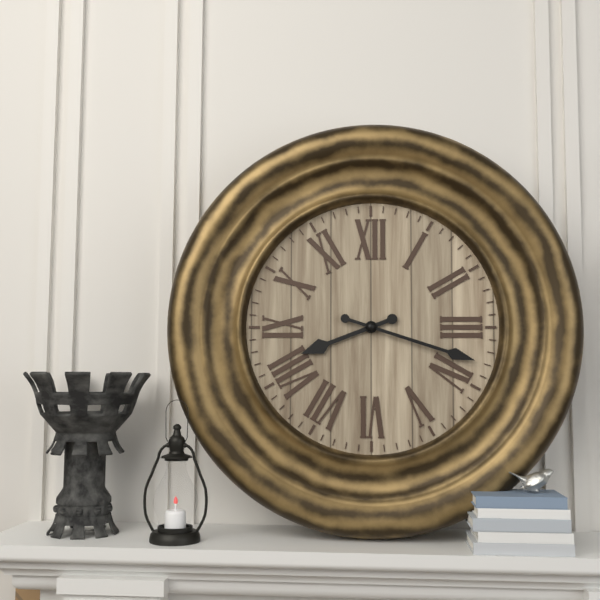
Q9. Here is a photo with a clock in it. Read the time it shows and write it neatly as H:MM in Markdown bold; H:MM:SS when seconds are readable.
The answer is **8:18**
